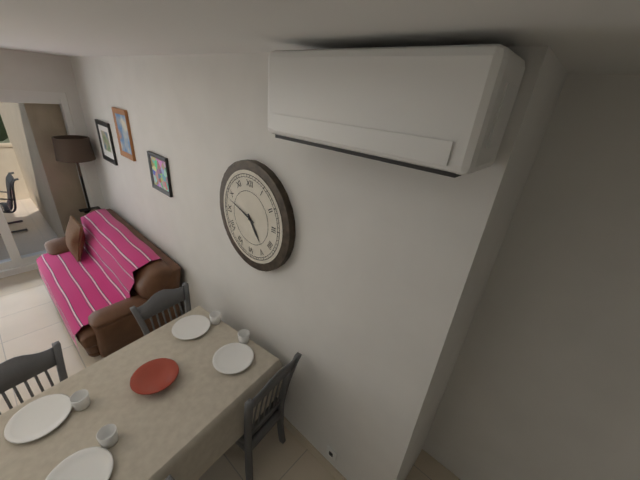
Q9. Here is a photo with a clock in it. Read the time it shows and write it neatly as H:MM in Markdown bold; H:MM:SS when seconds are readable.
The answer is **4:48**
